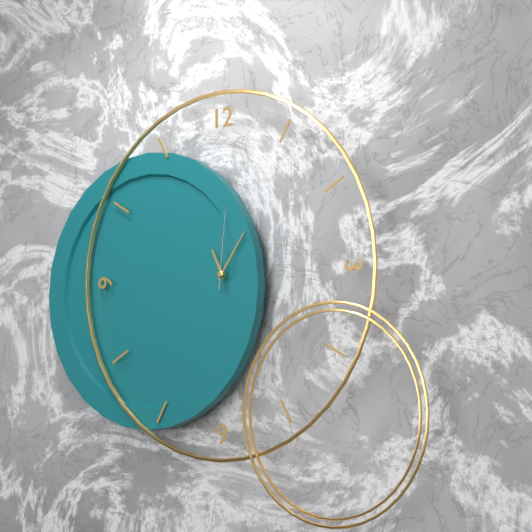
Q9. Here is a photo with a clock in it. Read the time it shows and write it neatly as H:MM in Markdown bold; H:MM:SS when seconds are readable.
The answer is **11:06:01**
